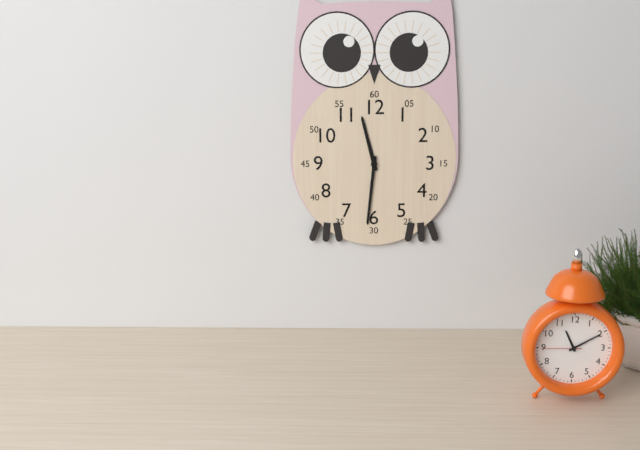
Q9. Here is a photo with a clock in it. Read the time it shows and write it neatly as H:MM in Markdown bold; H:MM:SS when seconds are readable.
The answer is **11:31**
